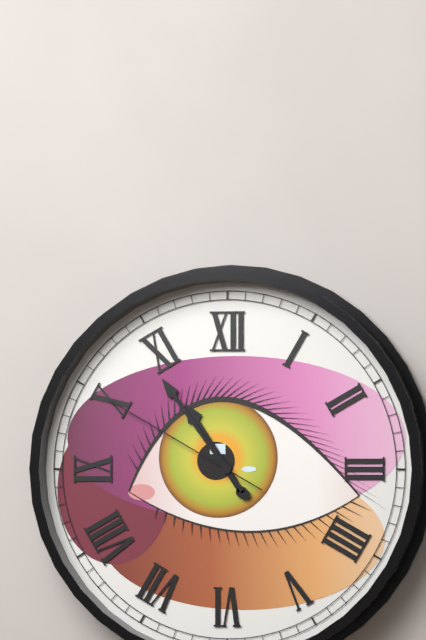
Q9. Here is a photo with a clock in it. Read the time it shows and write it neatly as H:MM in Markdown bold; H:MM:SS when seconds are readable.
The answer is **10:54:50**
